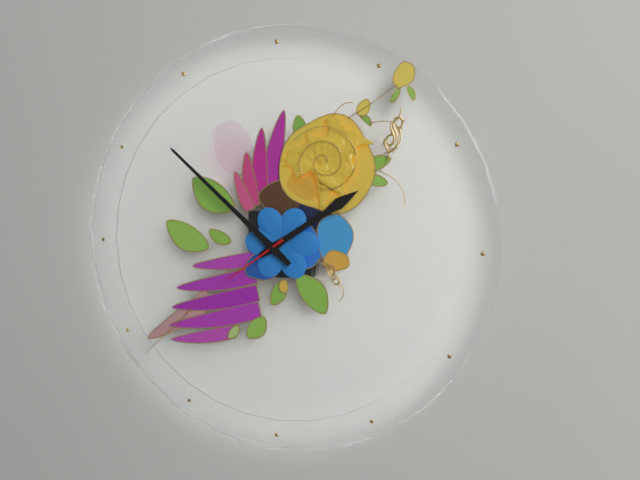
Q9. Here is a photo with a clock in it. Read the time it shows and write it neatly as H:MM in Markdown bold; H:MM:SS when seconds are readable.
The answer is **1:52:39**
